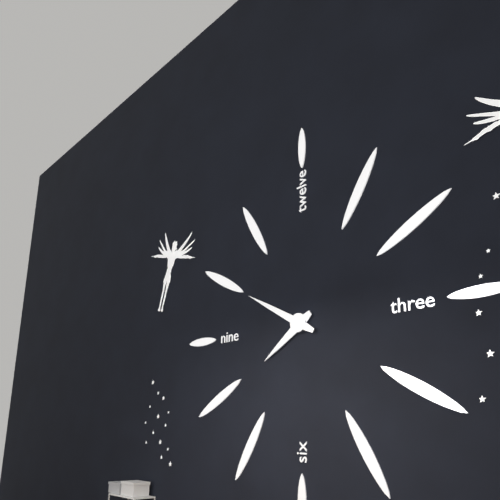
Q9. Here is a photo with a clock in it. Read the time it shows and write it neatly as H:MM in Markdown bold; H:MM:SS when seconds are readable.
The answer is **7:50**
